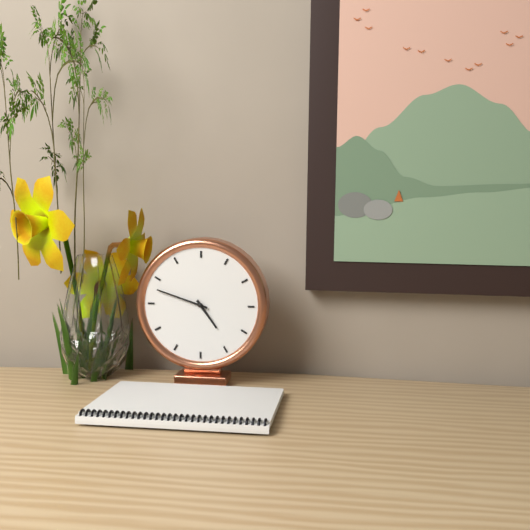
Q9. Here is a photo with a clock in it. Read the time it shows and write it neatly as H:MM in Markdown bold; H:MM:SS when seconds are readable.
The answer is **4:48**
